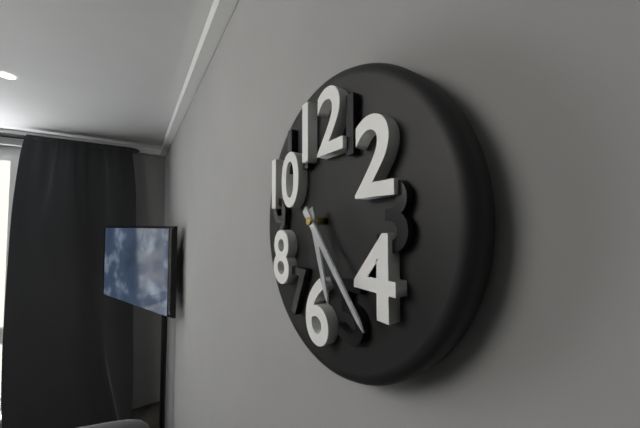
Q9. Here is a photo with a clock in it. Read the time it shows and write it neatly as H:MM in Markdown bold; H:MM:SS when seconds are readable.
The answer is **5:23**
